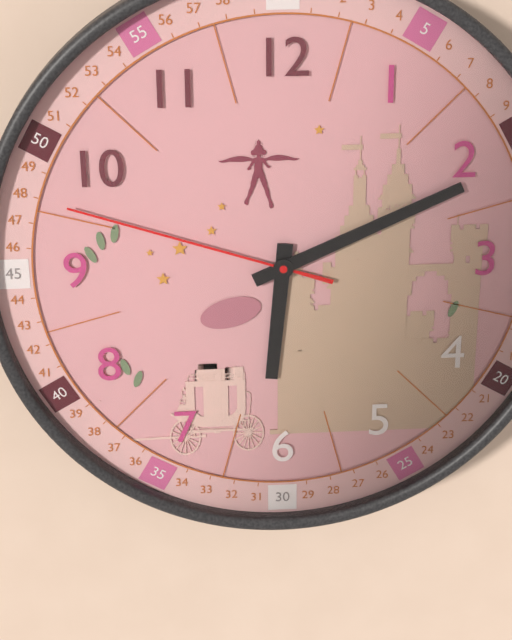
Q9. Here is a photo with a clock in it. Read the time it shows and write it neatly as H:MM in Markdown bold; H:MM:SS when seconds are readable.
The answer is **6:11:48**
